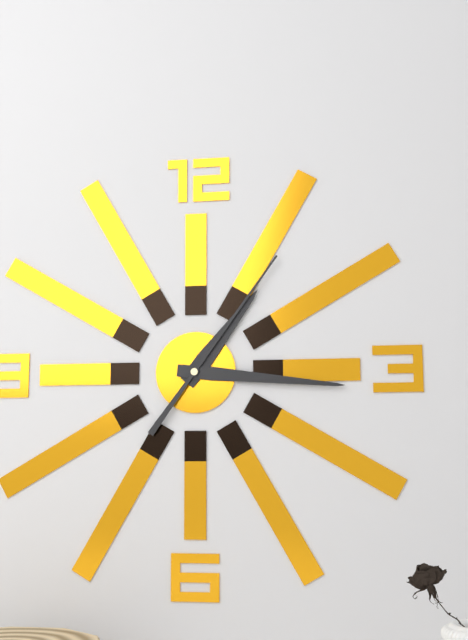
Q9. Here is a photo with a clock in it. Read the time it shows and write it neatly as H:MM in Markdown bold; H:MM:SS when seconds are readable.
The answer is **1:16:06**
